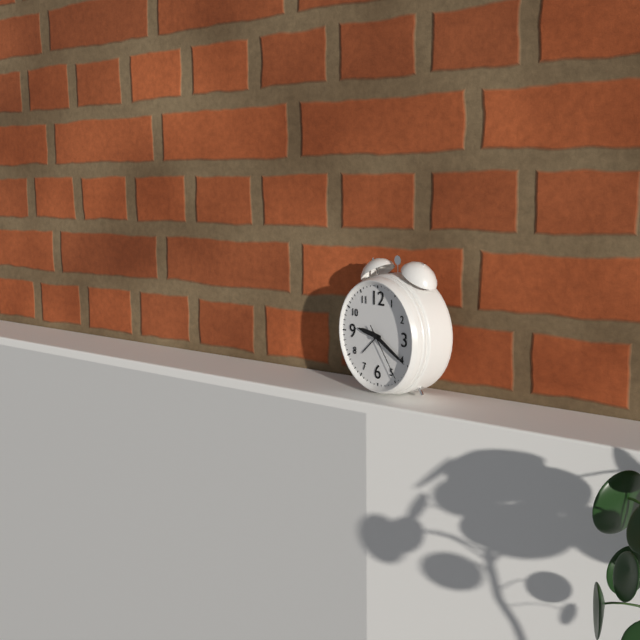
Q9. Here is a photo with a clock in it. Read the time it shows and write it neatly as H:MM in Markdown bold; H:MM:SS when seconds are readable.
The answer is **9:20:24**
